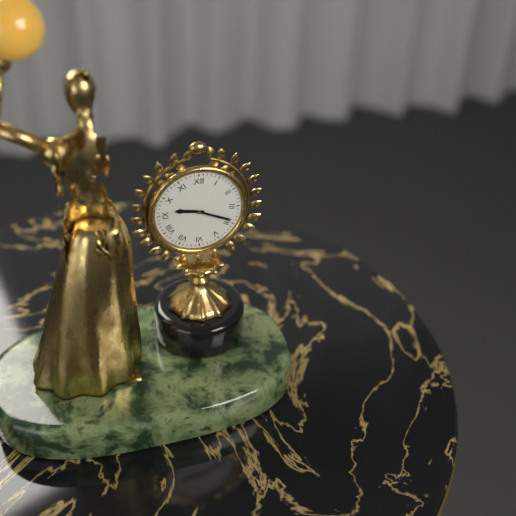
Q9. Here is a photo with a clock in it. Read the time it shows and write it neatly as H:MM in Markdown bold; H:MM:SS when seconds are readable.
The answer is **9:19**
